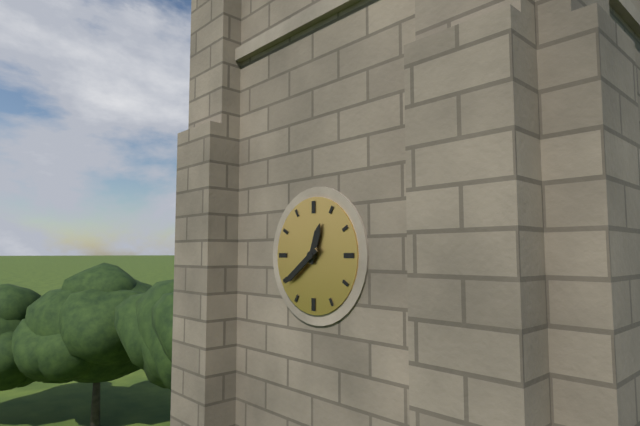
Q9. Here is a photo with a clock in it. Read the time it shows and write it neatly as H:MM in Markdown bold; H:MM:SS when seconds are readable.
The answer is **12:39**
